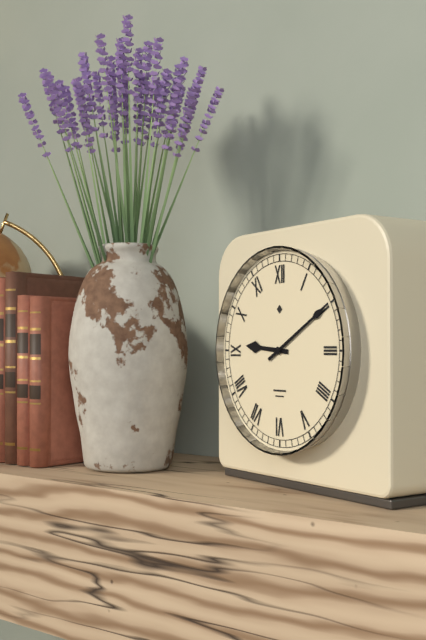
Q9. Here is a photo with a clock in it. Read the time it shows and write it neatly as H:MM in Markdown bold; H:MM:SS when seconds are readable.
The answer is **9:10**
